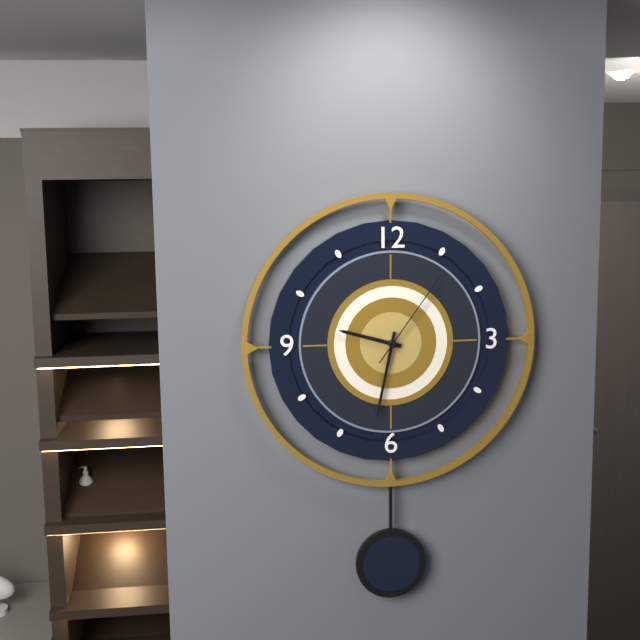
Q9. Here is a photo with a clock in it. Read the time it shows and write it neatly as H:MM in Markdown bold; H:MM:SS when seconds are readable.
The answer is **9:32:06**
